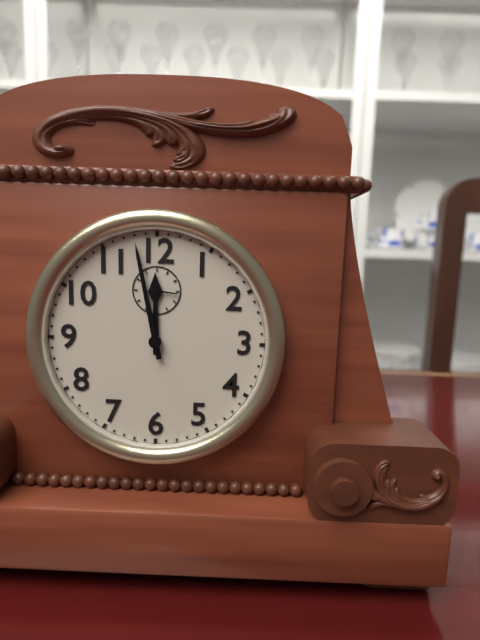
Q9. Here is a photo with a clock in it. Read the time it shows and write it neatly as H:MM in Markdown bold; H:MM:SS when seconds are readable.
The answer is **11:58**
